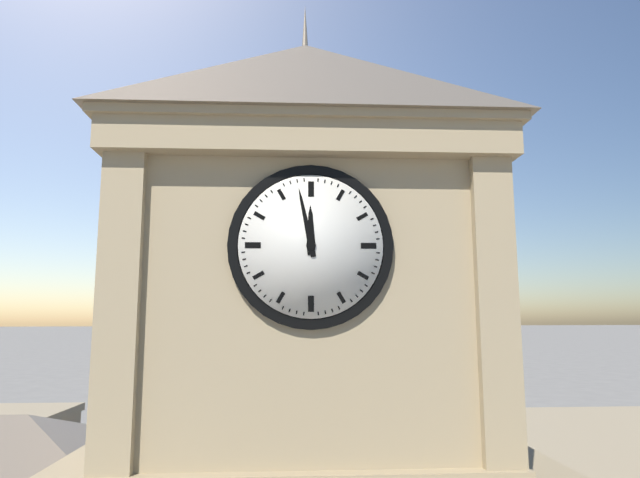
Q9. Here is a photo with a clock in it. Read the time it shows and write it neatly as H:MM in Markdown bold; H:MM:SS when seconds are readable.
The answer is **11:58**
